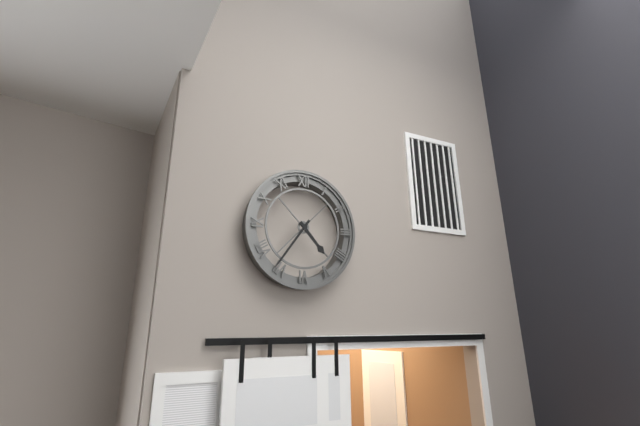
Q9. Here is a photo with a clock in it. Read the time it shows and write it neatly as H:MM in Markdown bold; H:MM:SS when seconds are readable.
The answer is **4:36**
